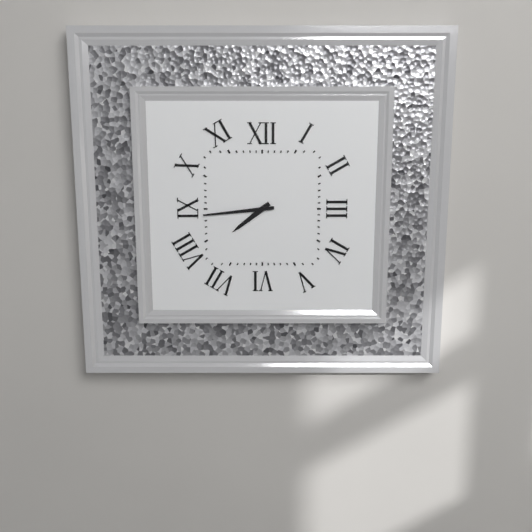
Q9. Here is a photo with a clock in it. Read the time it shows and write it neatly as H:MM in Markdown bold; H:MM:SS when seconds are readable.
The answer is **7:44**
